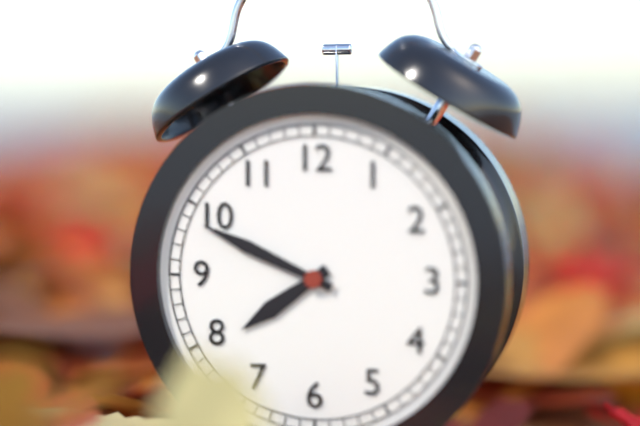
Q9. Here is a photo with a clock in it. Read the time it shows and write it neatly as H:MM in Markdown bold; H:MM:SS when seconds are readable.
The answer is **7:49**
